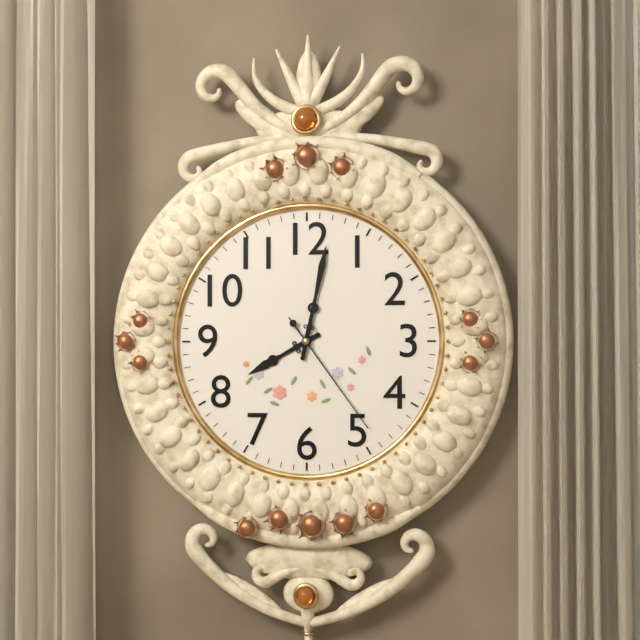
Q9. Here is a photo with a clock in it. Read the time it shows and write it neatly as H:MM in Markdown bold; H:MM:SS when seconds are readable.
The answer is **8:02:24**
